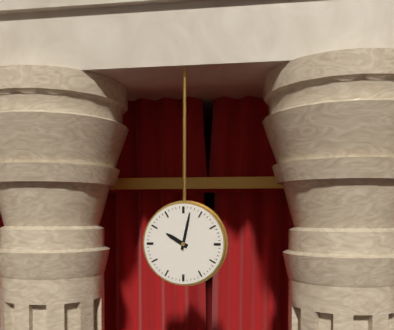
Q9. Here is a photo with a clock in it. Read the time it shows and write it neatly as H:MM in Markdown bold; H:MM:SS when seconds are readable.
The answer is **10:02**
